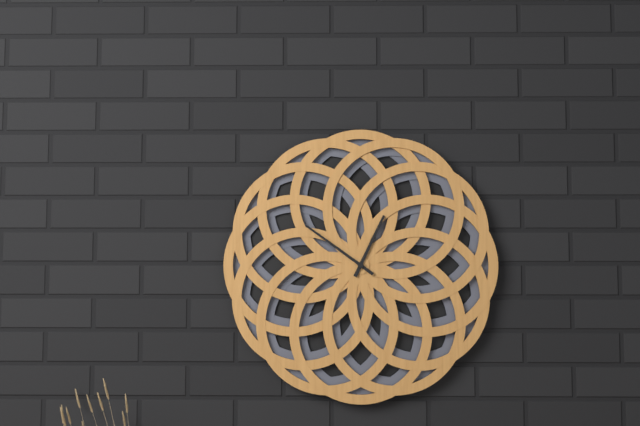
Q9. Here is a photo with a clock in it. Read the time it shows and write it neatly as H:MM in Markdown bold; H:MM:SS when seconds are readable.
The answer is **12:51**
